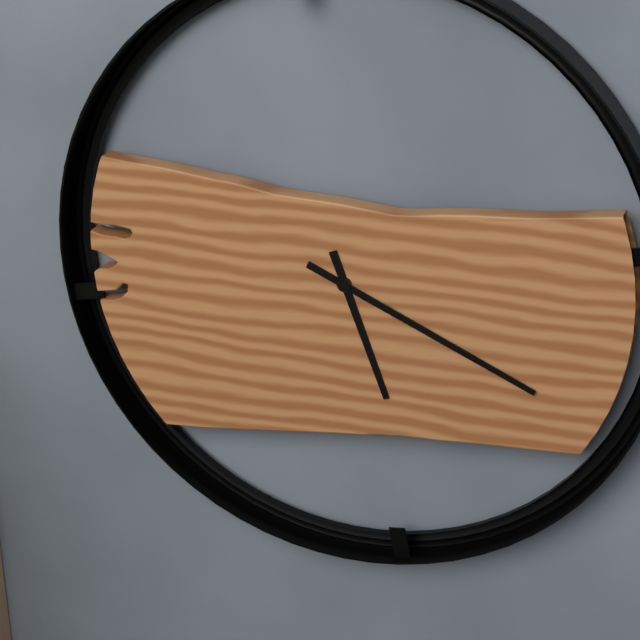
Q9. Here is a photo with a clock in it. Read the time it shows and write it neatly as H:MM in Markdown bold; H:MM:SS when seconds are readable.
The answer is **5:19**
